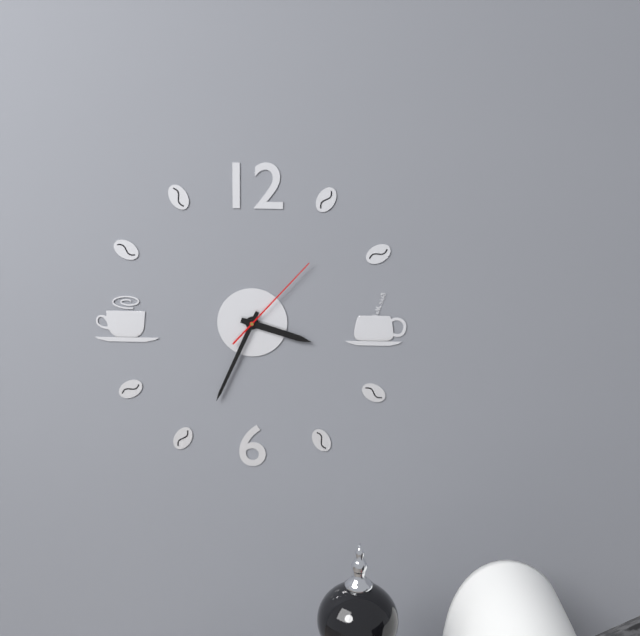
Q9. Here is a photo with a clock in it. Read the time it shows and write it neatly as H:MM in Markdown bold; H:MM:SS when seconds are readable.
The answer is **3:34:07**
